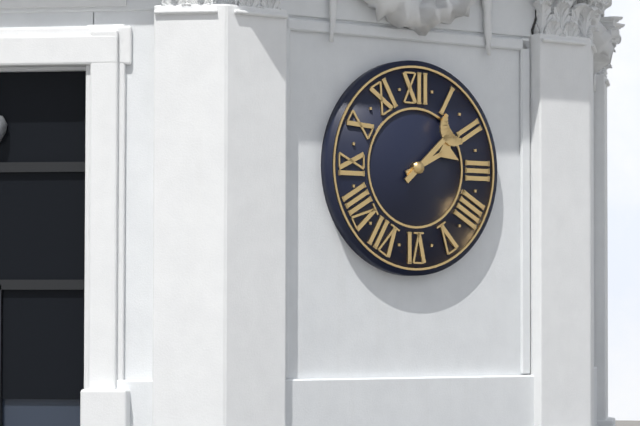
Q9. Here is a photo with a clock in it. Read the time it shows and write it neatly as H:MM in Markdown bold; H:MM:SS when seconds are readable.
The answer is **2:08**
